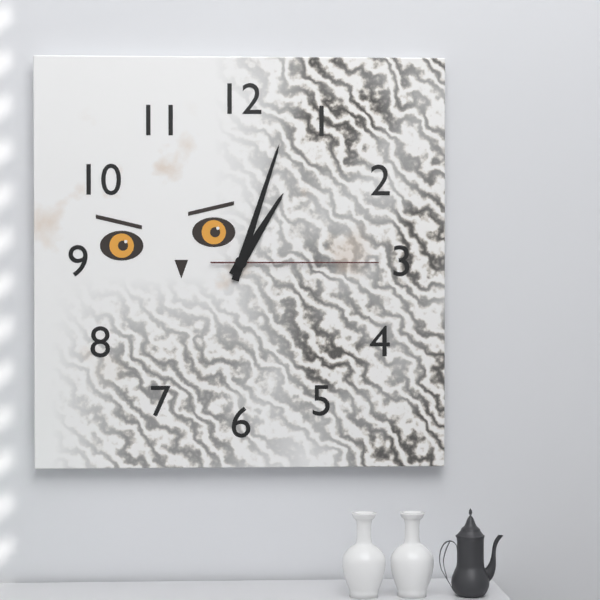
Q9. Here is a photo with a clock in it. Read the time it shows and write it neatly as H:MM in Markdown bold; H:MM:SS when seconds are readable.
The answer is **1:03:15**
